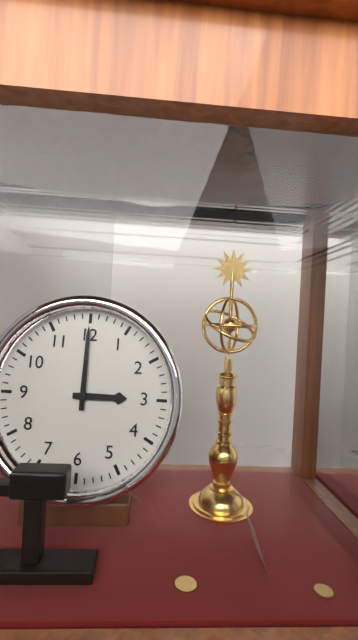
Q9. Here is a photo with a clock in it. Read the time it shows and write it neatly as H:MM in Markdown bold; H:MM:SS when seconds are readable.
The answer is **3:00**
